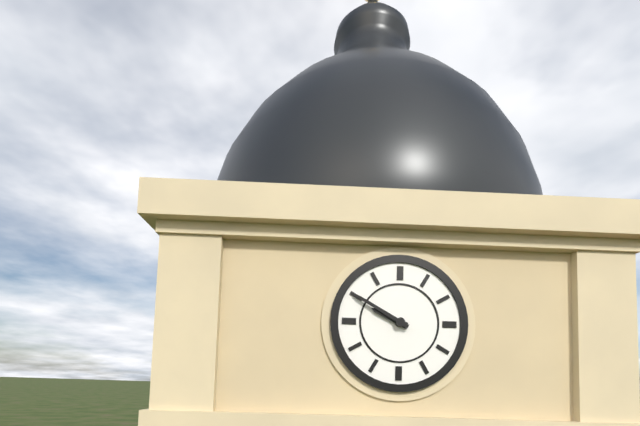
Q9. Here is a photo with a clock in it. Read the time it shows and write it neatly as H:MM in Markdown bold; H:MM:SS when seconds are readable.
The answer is **9:50**
